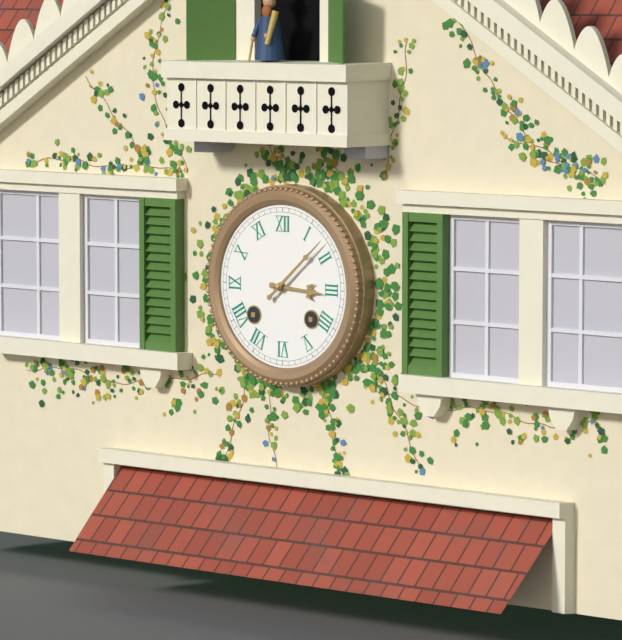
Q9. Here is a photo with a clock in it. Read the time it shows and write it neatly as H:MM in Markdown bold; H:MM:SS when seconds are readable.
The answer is **3:08**
